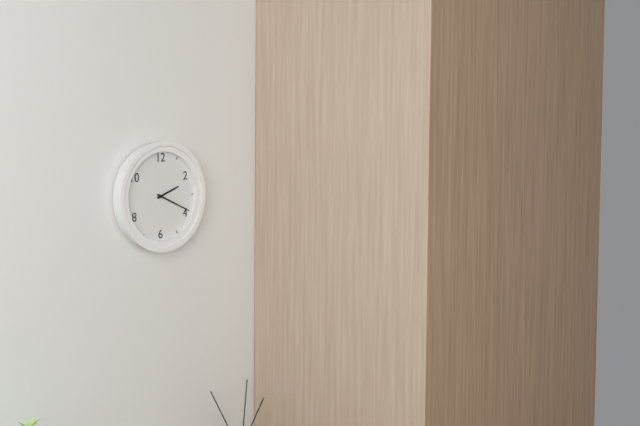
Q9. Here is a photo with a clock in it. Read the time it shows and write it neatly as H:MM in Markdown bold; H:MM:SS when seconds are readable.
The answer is **2:19**
